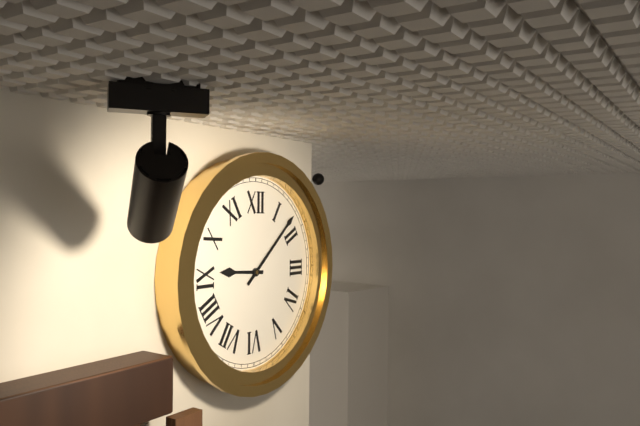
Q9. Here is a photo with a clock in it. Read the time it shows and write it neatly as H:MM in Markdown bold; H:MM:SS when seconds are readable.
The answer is **9:08**
